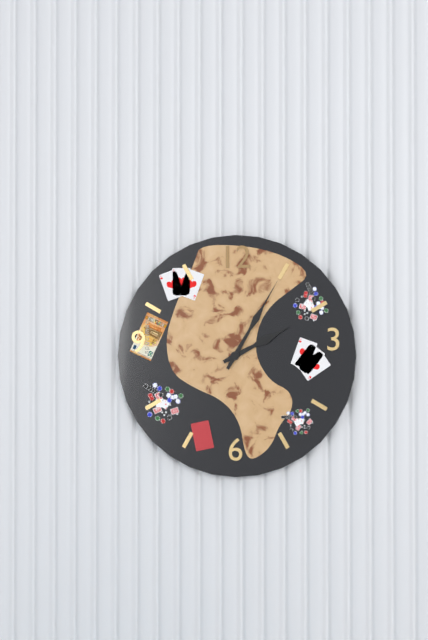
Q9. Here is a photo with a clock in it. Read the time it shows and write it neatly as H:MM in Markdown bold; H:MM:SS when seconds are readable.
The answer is **2:05**
